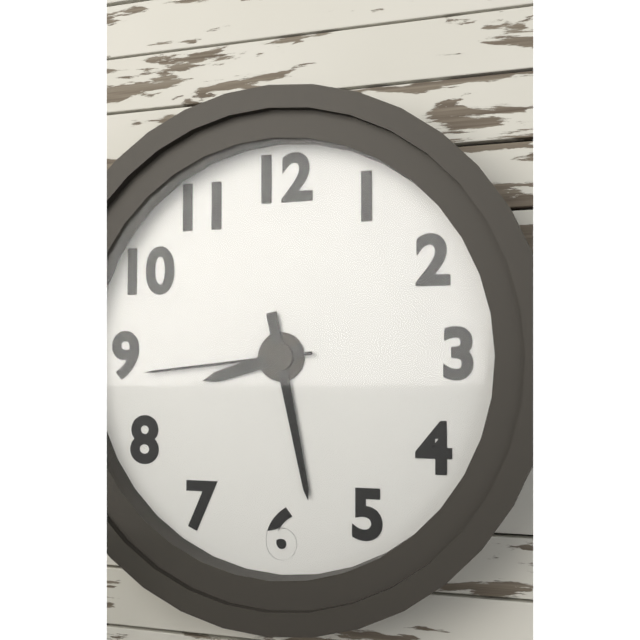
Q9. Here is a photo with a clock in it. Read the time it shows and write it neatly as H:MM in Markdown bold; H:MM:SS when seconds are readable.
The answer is **8:28:44**
